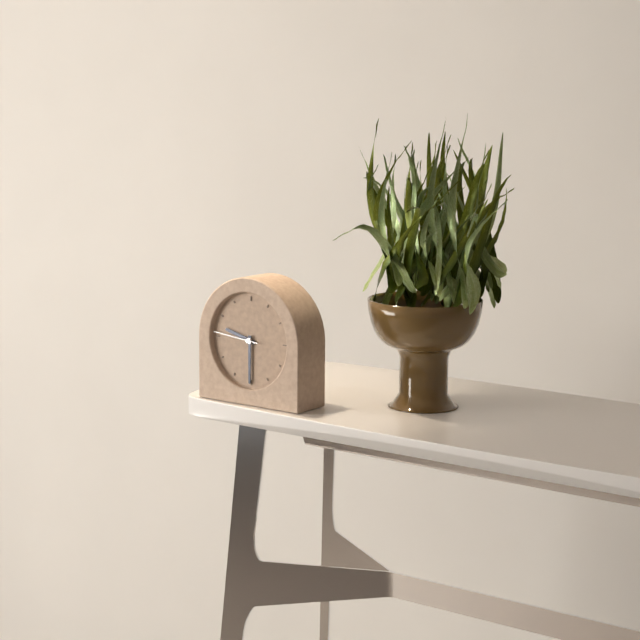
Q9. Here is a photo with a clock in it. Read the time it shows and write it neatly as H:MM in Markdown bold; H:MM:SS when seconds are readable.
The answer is **9:30**
